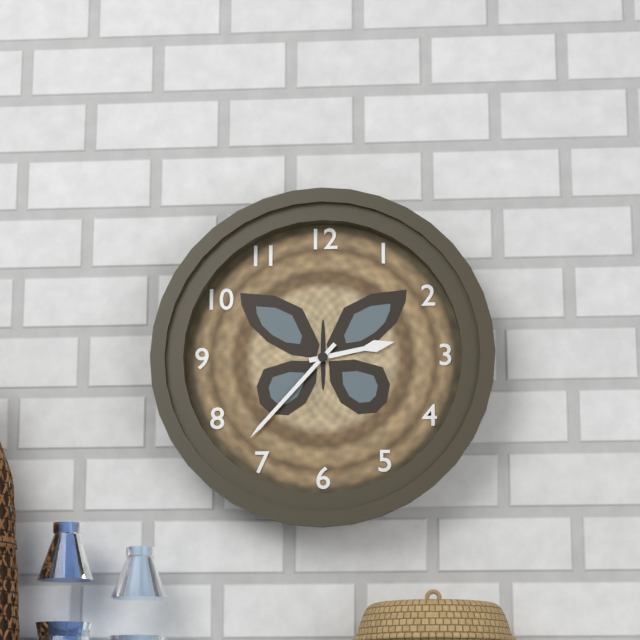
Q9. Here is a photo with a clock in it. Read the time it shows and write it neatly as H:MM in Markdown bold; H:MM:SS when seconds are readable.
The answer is **2:37**
